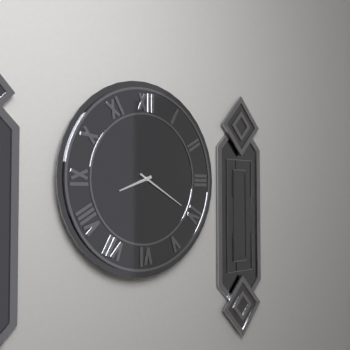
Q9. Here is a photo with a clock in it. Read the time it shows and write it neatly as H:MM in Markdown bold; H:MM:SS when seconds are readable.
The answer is **8:20**
